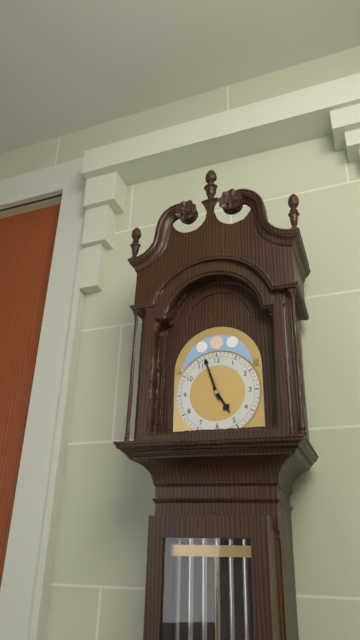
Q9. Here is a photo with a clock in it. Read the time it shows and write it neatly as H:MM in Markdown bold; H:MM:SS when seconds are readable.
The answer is **4:57**
